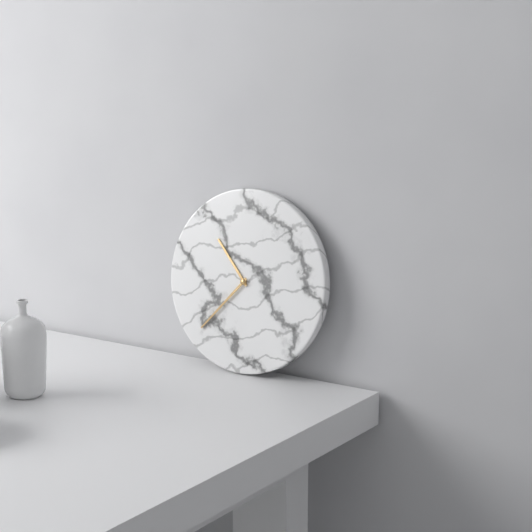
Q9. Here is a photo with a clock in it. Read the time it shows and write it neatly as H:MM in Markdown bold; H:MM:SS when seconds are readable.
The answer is **10:37**
